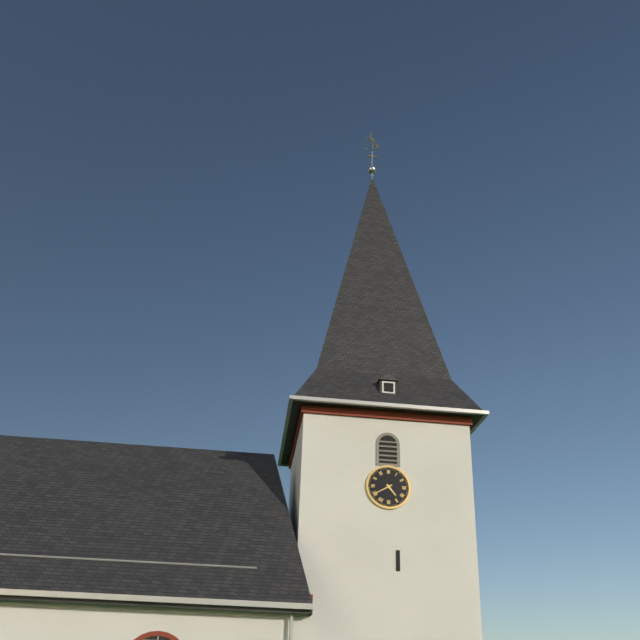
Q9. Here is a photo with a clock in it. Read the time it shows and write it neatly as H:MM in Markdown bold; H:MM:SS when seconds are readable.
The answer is **4:40**
